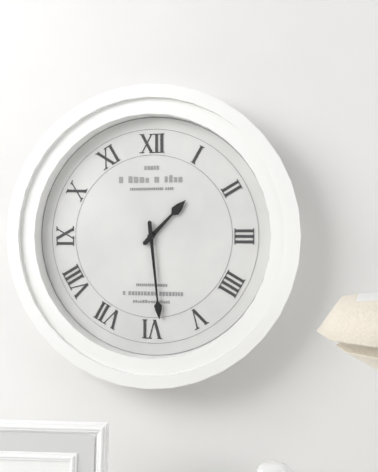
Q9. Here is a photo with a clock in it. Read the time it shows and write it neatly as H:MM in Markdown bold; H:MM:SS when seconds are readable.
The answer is **1:29**
